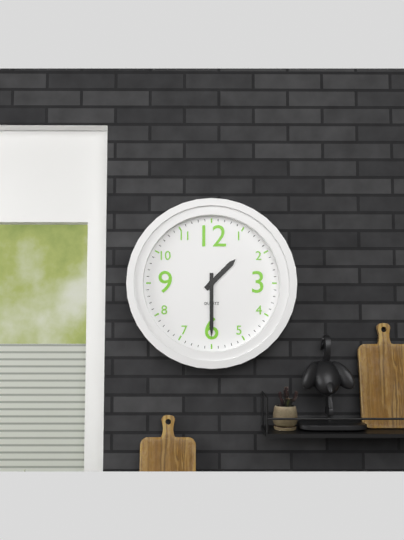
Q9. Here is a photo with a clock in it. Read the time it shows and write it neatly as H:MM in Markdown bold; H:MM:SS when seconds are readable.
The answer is **1:30**
